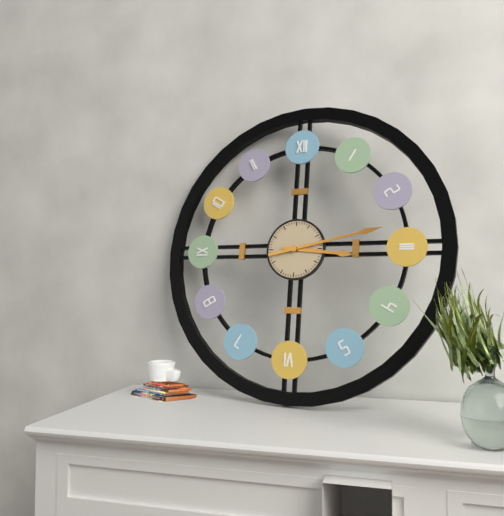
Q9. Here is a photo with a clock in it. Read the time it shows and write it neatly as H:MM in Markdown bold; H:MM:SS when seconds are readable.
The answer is **3:13**
